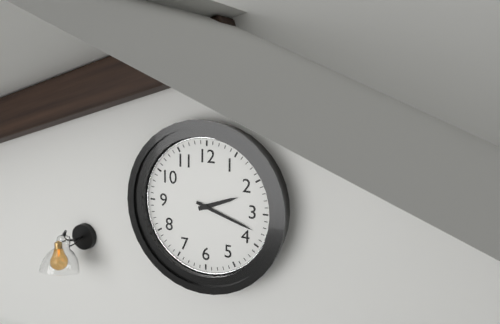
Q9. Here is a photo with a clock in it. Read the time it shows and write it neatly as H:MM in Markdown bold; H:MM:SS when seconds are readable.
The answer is **2:18**
